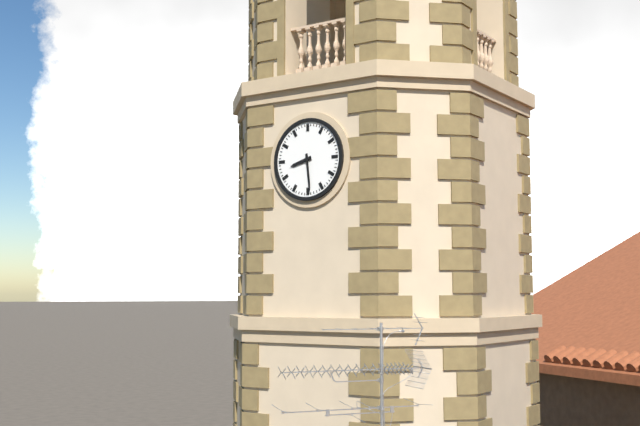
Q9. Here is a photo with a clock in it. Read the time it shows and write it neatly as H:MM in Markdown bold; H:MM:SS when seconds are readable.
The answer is **8:29**
